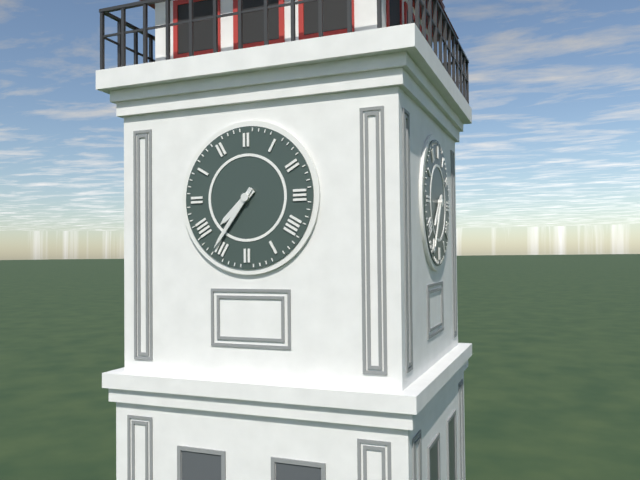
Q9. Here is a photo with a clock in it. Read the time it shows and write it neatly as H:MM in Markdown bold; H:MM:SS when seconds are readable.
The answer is **7:36**
